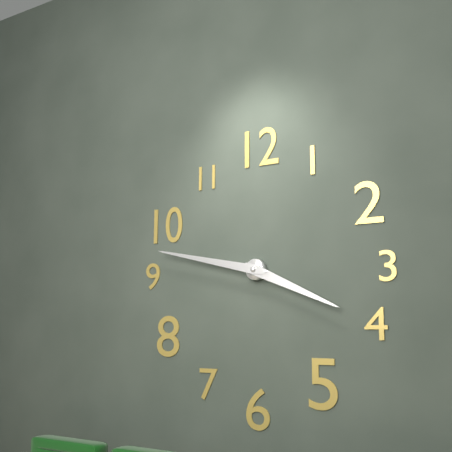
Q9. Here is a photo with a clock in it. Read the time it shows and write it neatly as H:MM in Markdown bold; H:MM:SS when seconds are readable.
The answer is **3:47**
